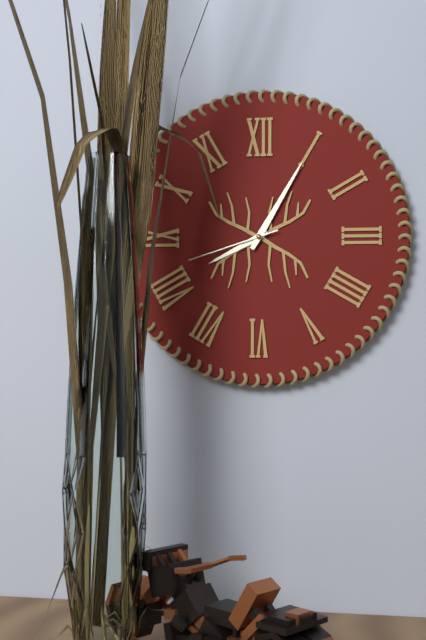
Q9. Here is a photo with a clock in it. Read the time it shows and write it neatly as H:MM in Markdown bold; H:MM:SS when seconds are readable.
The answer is **8:05:42**
